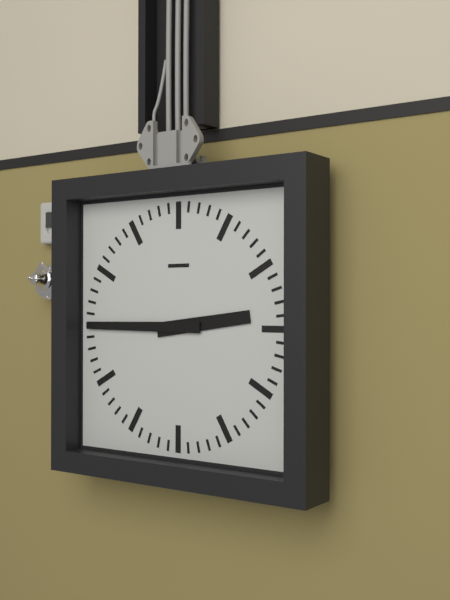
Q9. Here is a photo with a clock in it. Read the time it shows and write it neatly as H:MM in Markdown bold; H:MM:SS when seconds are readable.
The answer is **2:45**
